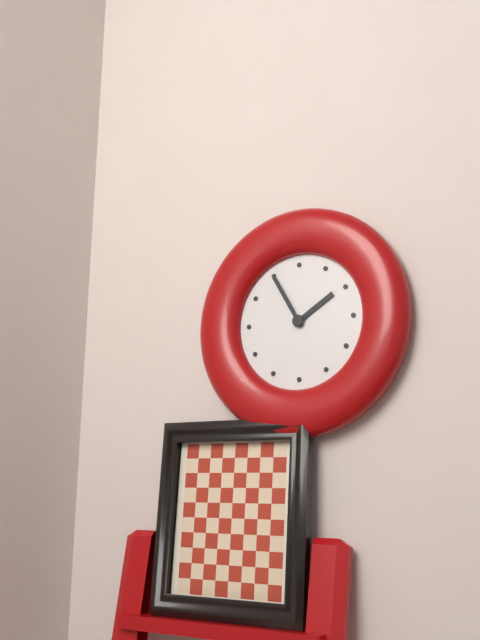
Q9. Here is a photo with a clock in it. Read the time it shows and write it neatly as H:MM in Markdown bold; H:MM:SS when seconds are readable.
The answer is **1:55**
